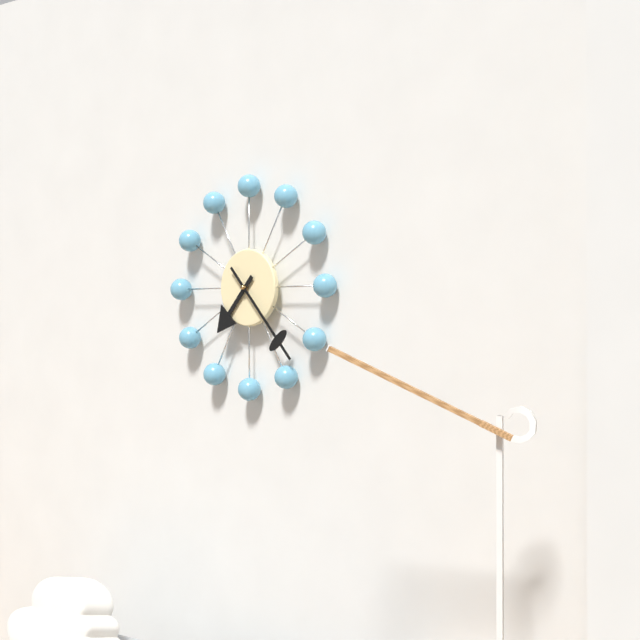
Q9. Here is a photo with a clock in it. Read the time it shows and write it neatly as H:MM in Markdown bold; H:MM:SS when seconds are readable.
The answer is **7:23**
